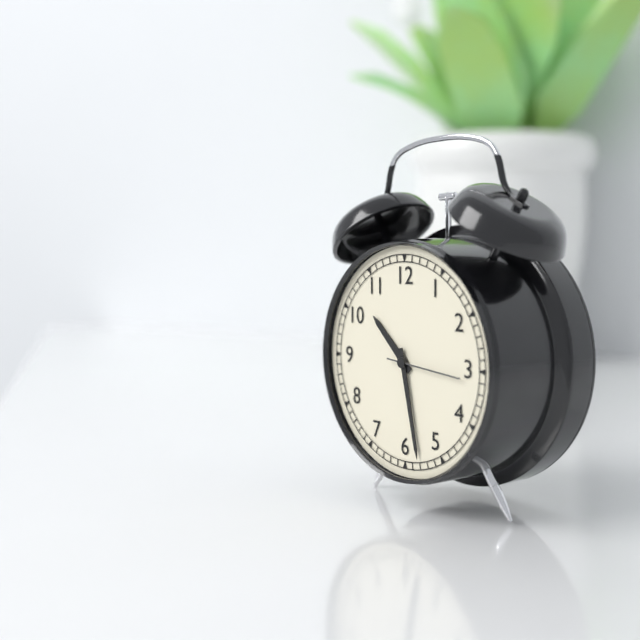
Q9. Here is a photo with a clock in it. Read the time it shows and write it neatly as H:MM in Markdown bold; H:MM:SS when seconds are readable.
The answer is **10:28:16**
